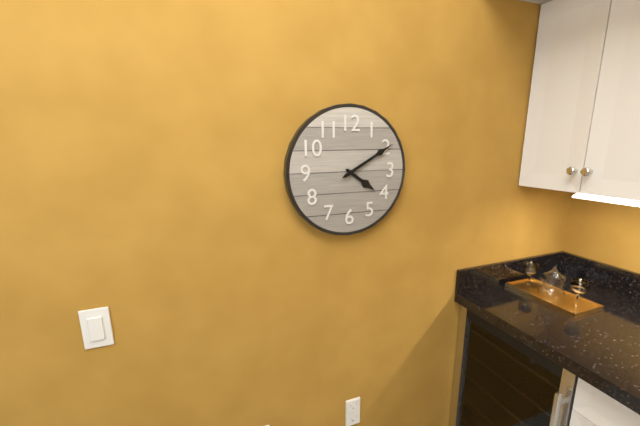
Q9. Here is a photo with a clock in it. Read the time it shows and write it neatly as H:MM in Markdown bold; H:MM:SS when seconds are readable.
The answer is **4:10**
